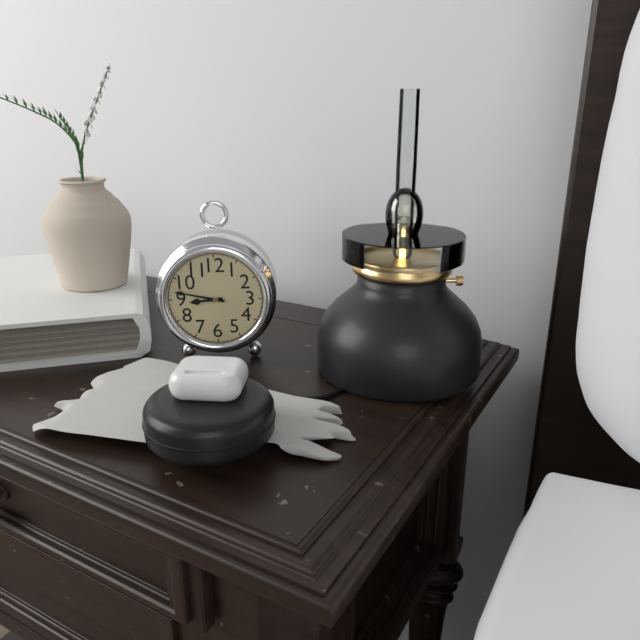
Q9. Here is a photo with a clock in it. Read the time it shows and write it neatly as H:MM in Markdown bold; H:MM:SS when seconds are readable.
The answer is **8:47**
